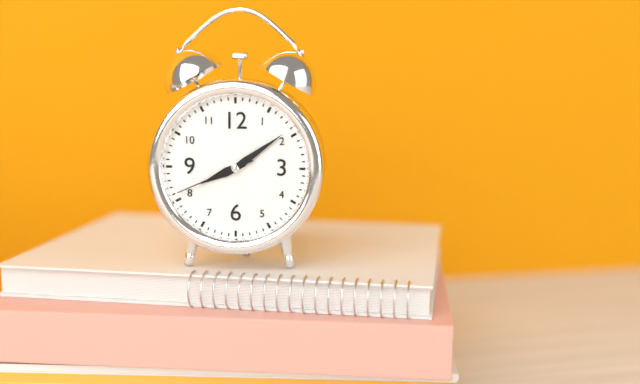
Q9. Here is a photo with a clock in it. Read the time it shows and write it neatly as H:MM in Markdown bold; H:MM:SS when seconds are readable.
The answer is **8:09:41**
